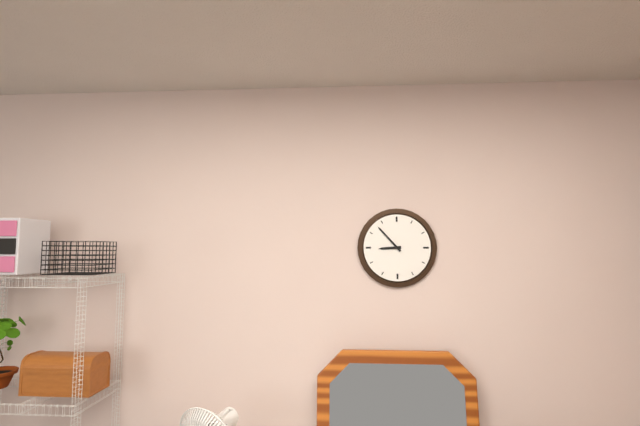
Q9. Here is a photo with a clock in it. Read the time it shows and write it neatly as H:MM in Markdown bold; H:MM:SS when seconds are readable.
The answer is **8:53**
